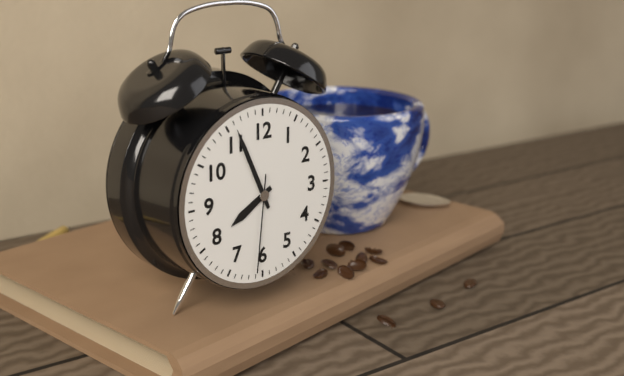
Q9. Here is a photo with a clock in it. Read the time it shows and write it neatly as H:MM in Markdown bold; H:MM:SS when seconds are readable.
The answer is **7:56:31**
